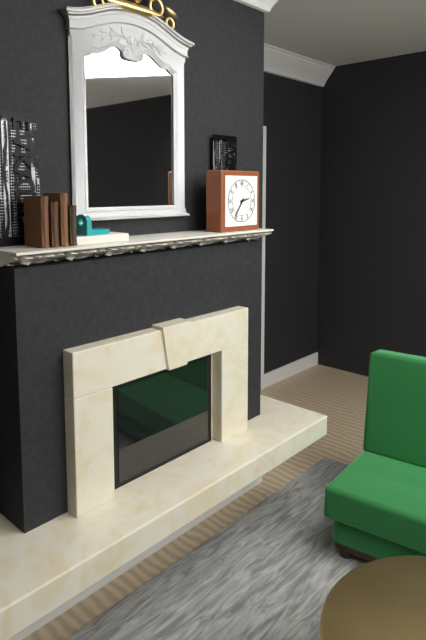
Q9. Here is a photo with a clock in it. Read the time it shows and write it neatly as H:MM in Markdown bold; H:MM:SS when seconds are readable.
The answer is **2:36**
